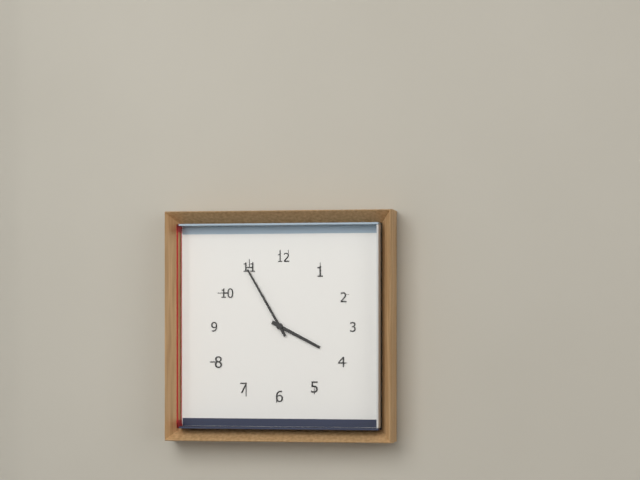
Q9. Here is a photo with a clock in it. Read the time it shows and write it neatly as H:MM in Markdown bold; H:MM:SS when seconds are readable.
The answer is **3:55**
